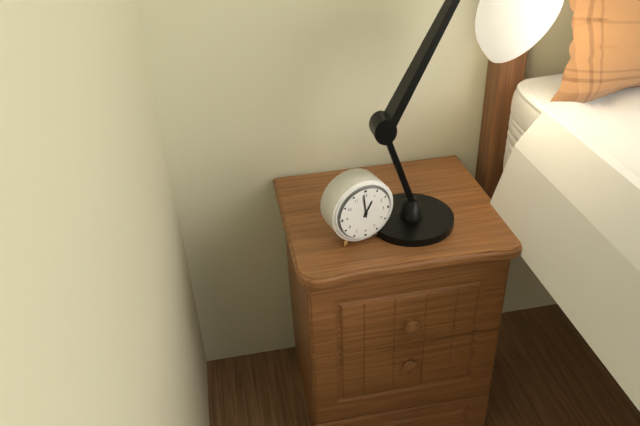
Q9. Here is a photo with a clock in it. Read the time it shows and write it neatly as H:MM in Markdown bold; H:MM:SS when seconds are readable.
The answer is **12:59**
